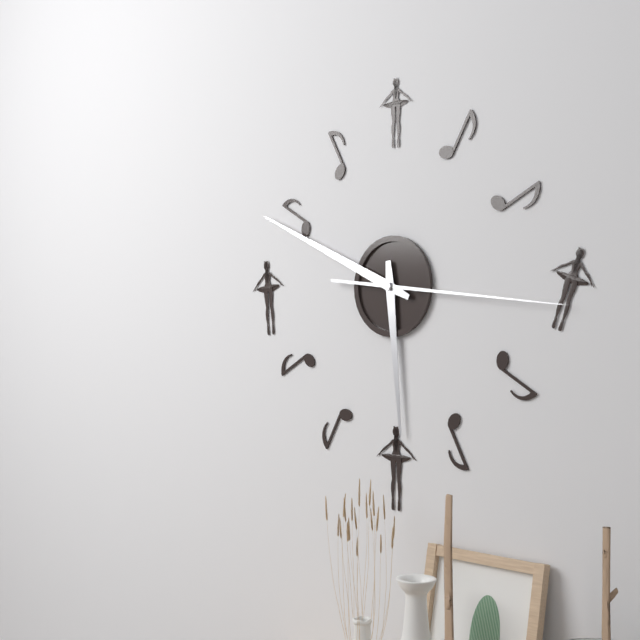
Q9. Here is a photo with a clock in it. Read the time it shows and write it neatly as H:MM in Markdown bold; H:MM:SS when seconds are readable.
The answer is **5:49:16**
